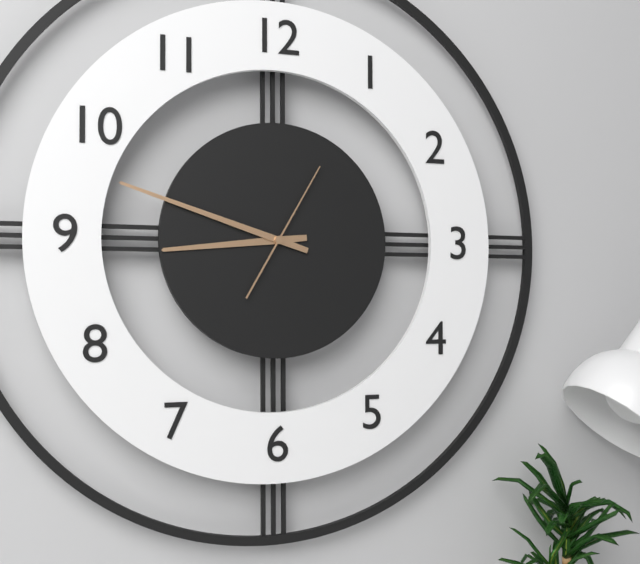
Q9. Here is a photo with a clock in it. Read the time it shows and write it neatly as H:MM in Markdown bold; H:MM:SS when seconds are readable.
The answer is **8:48:05**
